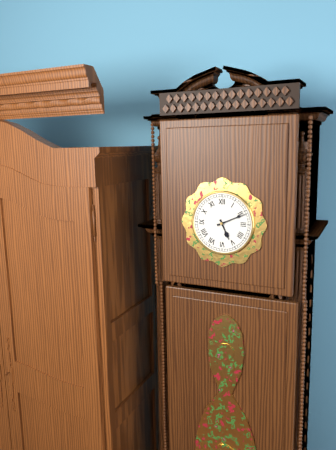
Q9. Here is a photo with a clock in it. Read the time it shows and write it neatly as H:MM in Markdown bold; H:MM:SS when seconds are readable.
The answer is **5:11**
